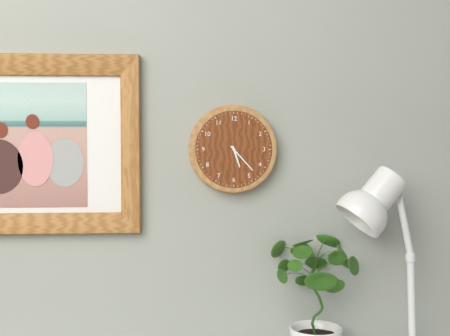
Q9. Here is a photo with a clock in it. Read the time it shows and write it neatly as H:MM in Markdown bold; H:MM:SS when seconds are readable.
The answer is **5:23**
